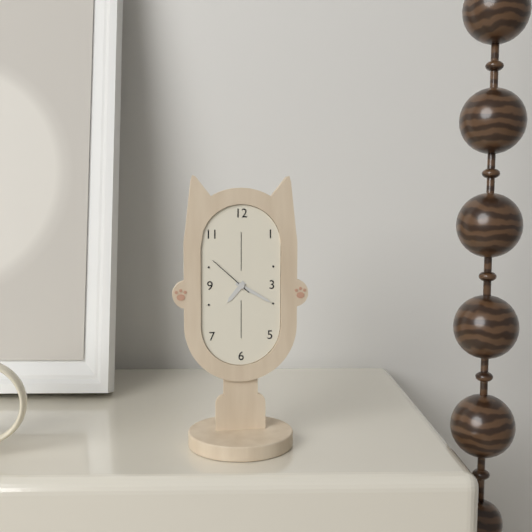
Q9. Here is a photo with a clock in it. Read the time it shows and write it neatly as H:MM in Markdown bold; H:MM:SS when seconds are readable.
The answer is **7:20**
